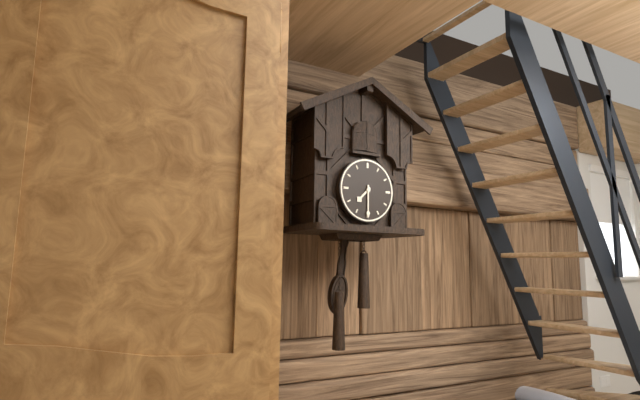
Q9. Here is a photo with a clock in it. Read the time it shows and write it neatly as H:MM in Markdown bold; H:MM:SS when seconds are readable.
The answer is **7:30**
